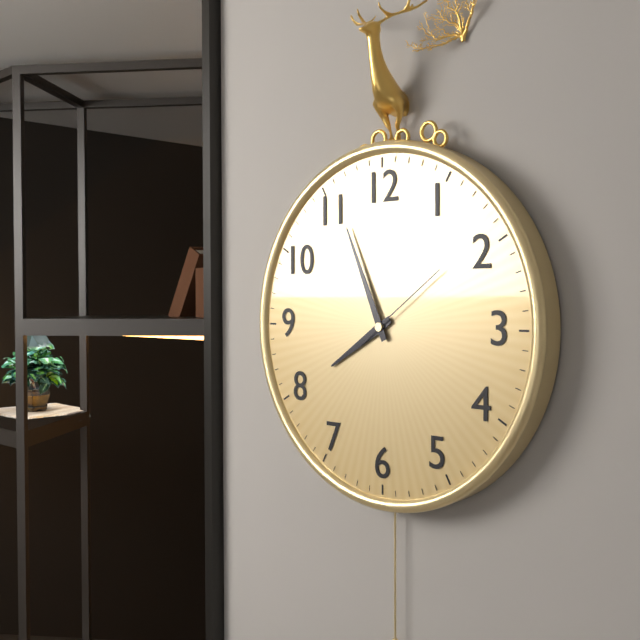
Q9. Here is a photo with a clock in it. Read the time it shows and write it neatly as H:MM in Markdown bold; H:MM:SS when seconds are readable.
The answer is **7:56:09**
